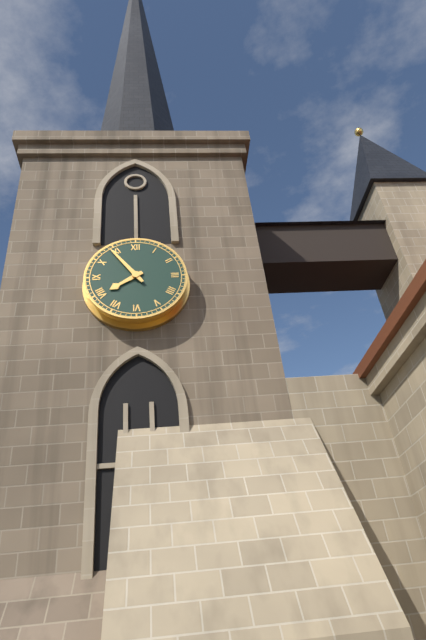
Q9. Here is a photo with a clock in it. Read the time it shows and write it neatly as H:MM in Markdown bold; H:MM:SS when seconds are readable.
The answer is **7:54**
